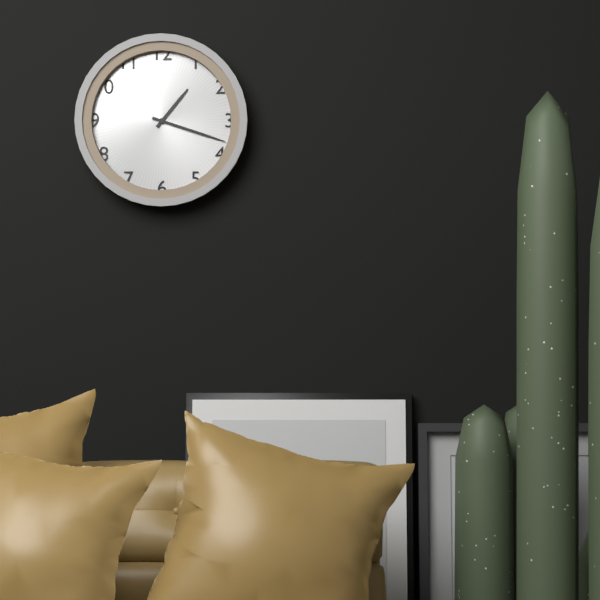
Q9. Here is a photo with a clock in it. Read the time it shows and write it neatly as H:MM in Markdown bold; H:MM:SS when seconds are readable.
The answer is **1:18**
